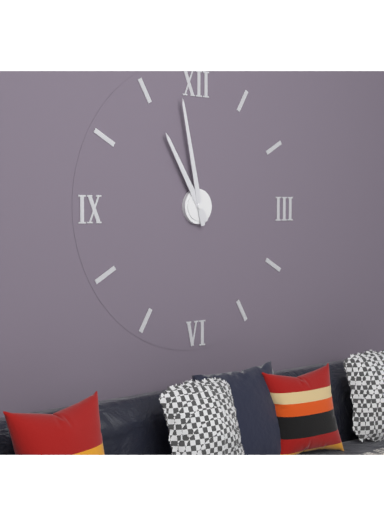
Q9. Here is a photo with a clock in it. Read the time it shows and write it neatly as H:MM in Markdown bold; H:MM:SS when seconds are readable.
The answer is **10:58**
